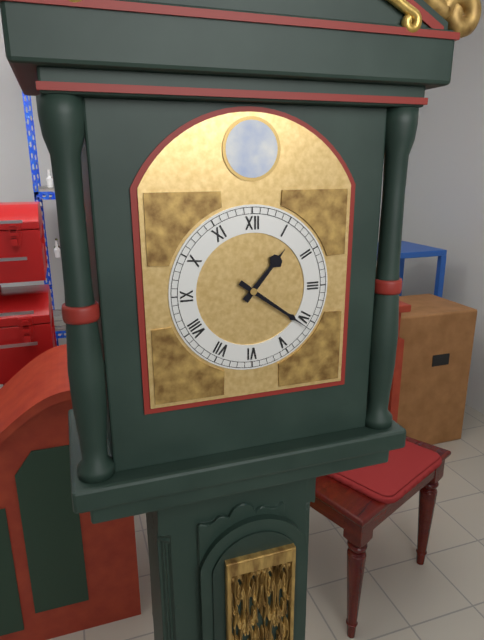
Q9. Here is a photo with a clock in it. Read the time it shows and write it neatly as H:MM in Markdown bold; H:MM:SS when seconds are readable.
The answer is **1:21**
